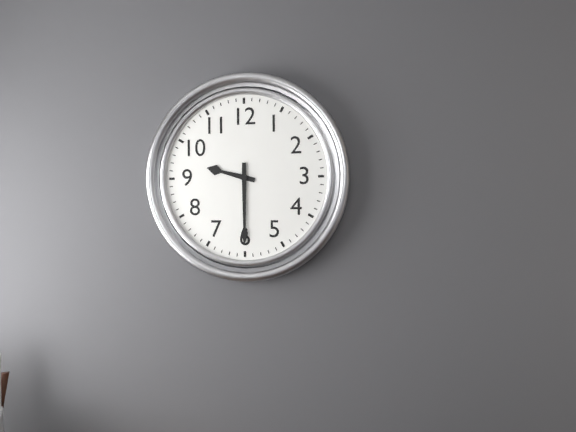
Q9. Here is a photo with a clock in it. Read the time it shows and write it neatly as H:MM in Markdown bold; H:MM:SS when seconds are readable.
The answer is **9:30**
